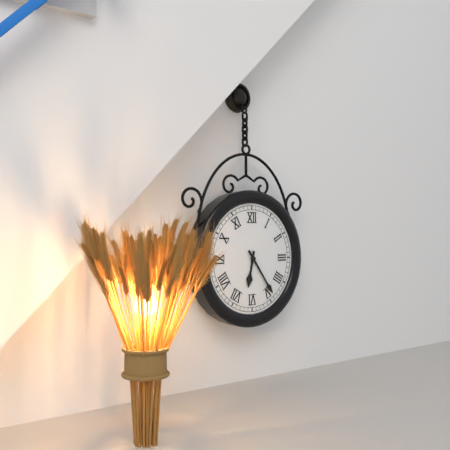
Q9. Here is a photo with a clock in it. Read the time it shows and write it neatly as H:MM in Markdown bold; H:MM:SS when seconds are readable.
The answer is **6:24**
